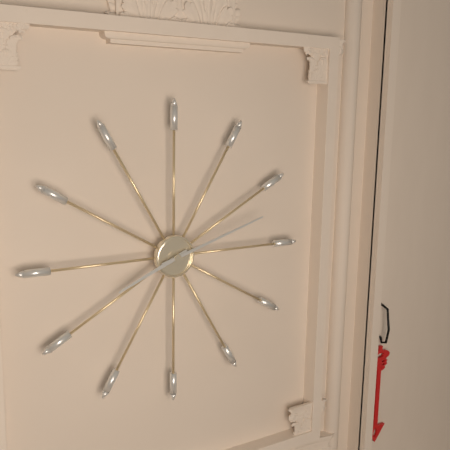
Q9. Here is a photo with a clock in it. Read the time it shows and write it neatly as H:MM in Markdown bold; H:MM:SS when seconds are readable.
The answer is **8:12**
